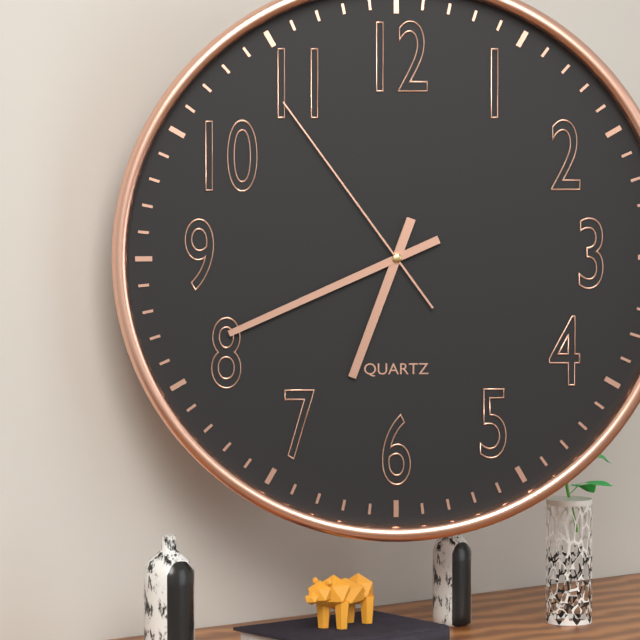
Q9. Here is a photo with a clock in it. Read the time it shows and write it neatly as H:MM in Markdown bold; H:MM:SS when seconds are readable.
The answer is **6:41:54**
